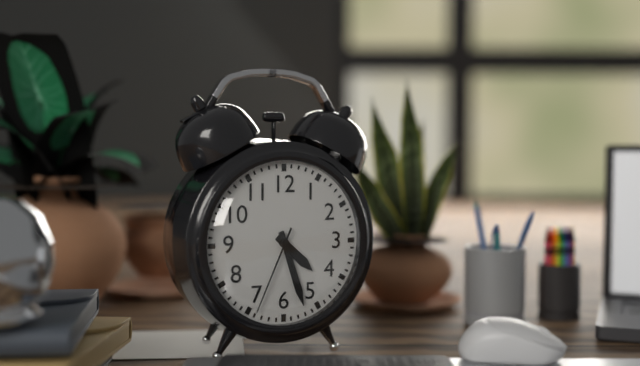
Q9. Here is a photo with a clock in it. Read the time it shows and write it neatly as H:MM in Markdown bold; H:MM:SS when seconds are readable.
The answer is **4:27:34**
